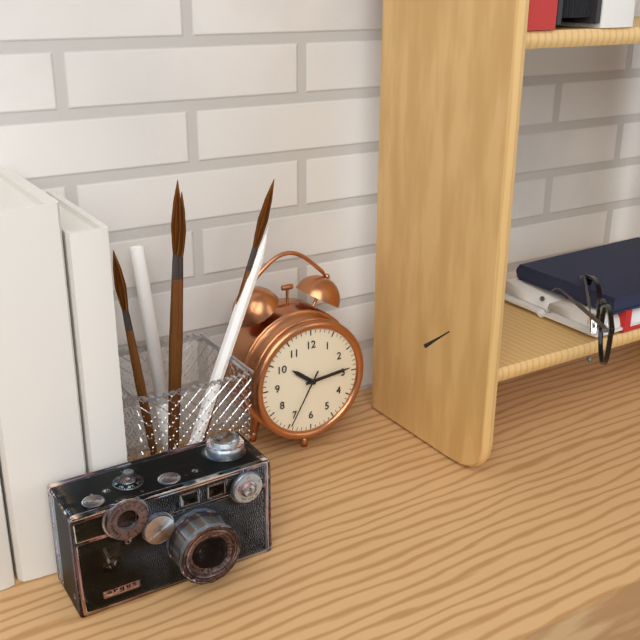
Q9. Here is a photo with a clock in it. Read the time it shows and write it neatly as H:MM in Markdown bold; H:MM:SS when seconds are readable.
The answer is **10:14:35**
